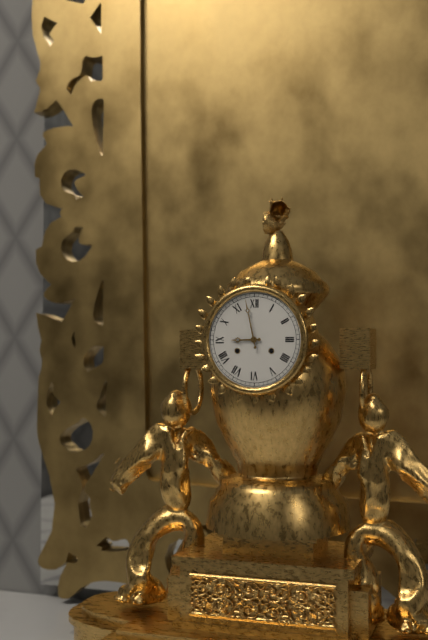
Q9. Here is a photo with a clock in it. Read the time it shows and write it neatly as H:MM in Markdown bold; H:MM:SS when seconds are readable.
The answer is **8:58**
